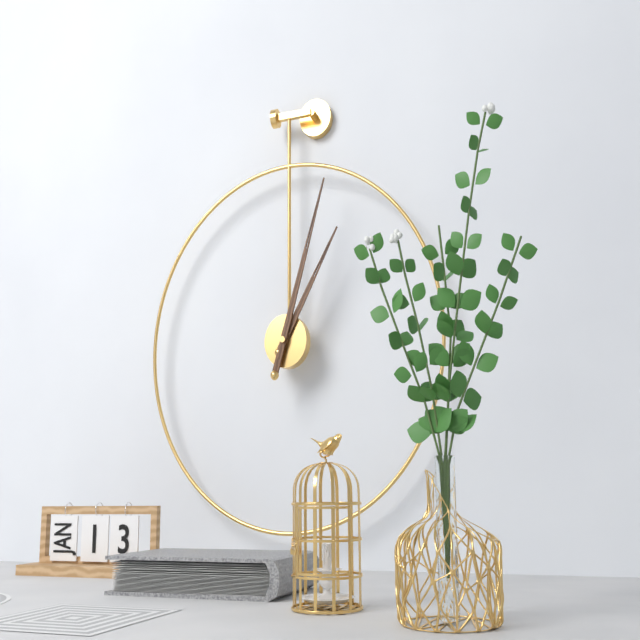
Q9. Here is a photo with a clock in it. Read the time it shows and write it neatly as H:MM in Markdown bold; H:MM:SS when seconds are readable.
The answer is **1:03**
